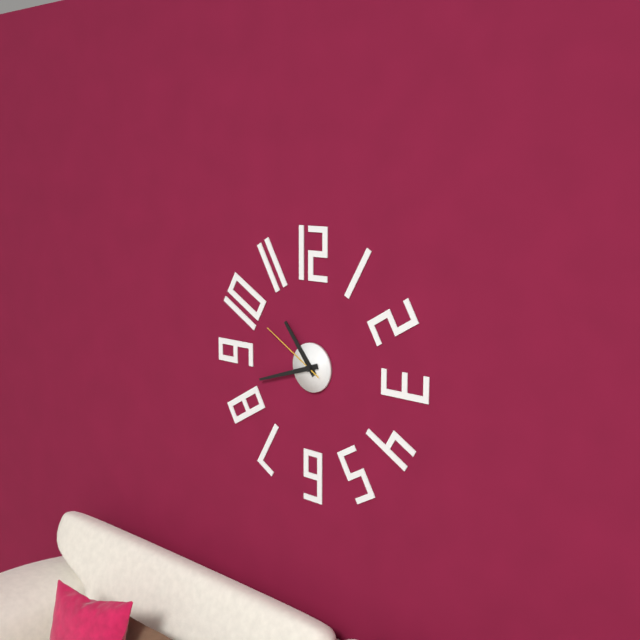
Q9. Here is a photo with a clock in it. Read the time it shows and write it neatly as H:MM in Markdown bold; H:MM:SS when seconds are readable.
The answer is **10:42:50**
